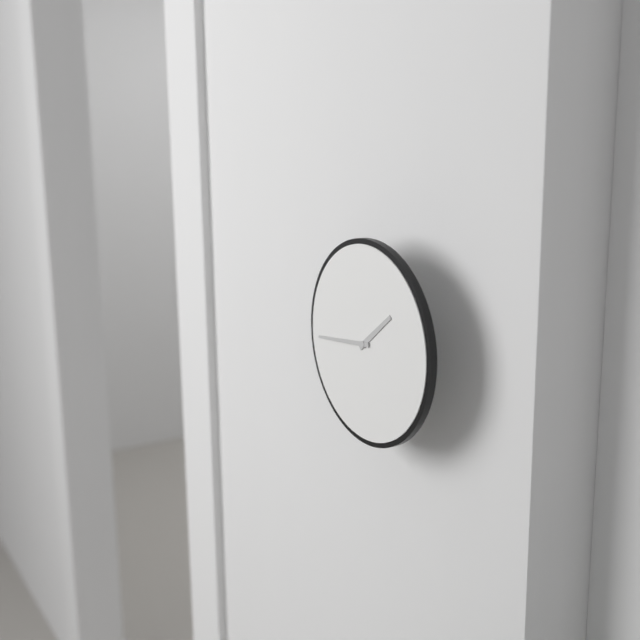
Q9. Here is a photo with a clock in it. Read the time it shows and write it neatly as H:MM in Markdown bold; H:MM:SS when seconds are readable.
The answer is **1:44**
